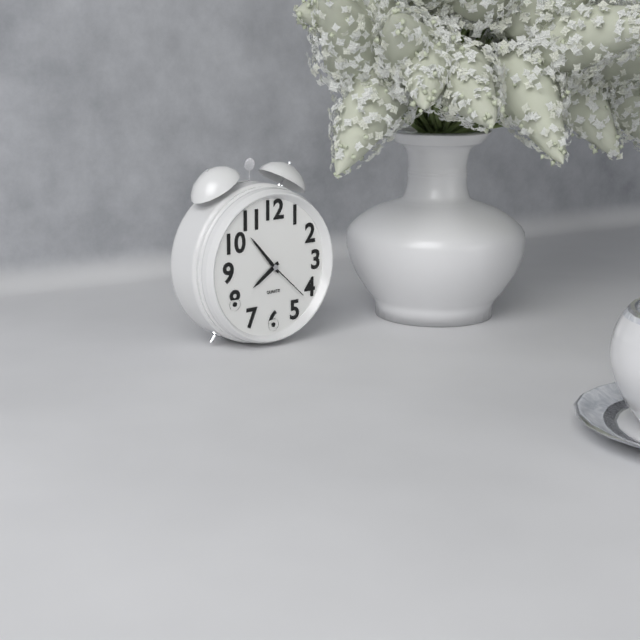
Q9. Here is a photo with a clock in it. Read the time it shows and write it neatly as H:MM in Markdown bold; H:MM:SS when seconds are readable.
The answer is **7:53**
